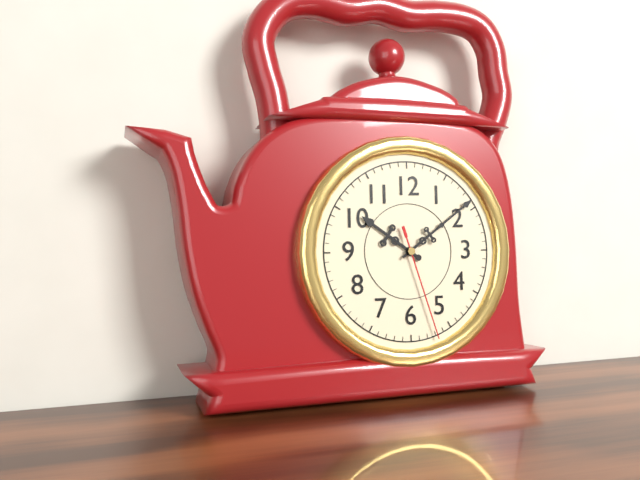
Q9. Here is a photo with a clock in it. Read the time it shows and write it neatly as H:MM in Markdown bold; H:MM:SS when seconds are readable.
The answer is **10:09:27**
